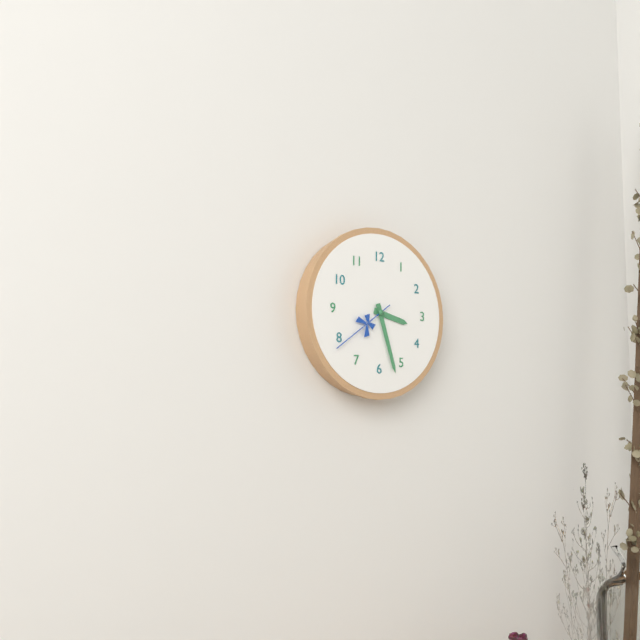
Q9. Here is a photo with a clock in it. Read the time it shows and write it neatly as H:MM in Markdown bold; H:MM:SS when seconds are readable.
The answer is **3:27:39**
